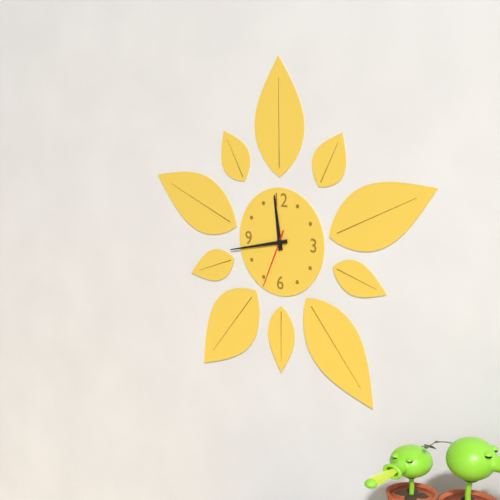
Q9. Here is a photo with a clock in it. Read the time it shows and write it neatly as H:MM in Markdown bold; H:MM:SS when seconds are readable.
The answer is **11:43:34**
